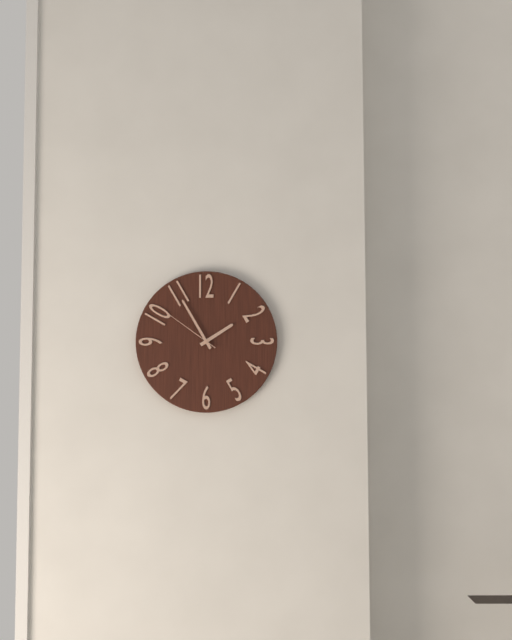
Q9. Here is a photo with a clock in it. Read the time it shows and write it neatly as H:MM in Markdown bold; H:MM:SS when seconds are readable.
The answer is **1:55:51**
